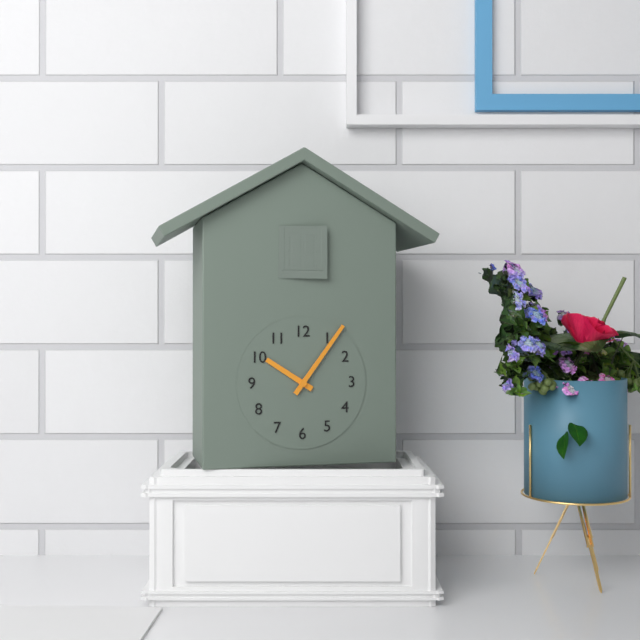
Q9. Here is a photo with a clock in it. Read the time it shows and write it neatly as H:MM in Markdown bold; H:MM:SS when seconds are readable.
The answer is **10:06**
